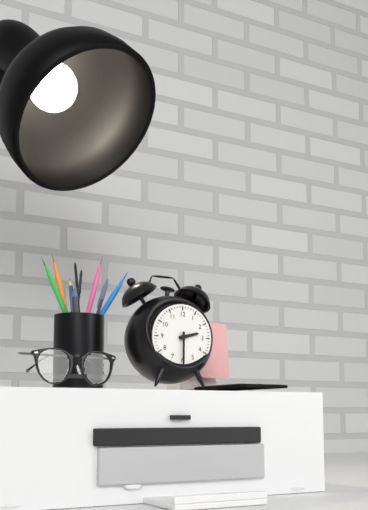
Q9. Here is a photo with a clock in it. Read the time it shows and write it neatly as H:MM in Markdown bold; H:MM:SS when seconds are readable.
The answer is **2:30**
